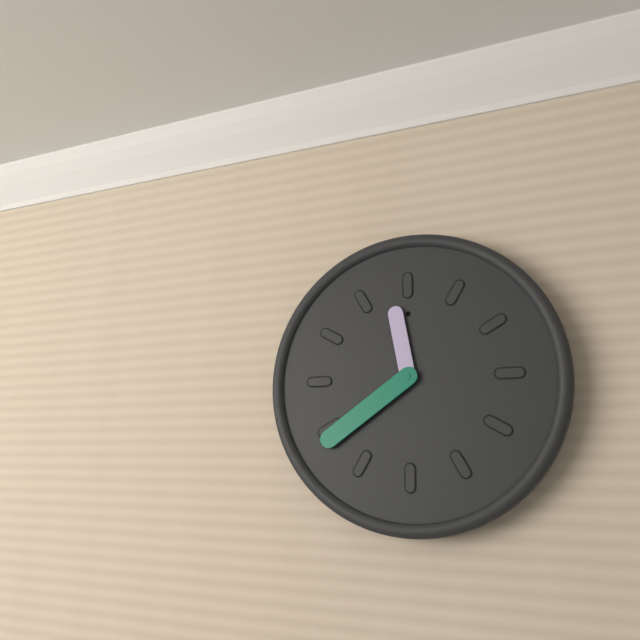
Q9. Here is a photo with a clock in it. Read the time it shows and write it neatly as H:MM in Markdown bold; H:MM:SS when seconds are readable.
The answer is **11:39**
